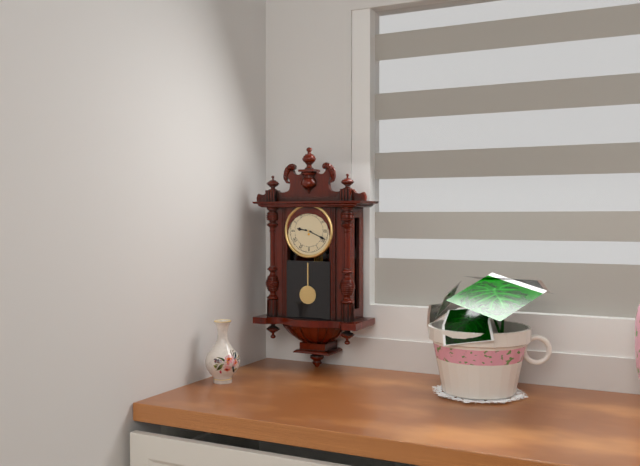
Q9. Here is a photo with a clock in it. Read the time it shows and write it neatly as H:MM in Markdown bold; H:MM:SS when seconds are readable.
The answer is **9:19**
